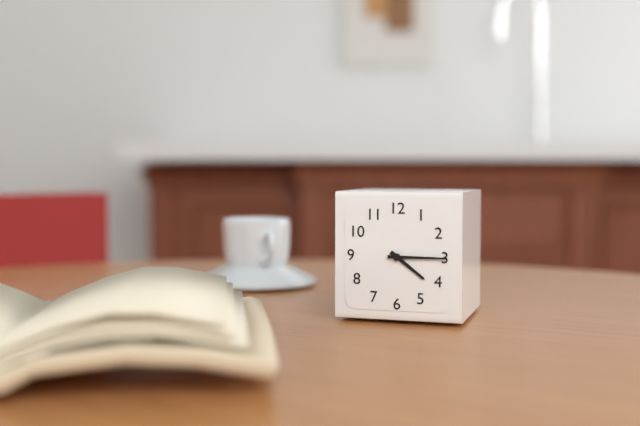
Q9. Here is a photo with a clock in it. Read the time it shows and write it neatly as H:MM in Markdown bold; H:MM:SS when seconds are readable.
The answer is **4:15**
